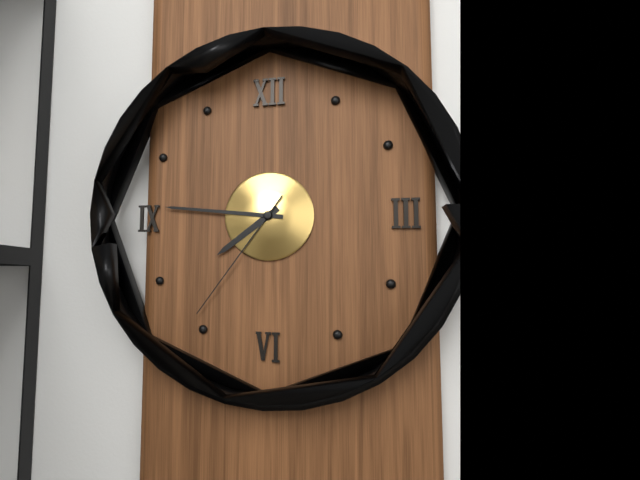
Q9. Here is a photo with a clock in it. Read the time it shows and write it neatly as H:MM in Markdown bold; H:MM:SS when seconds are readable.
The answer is **7:46:36**
